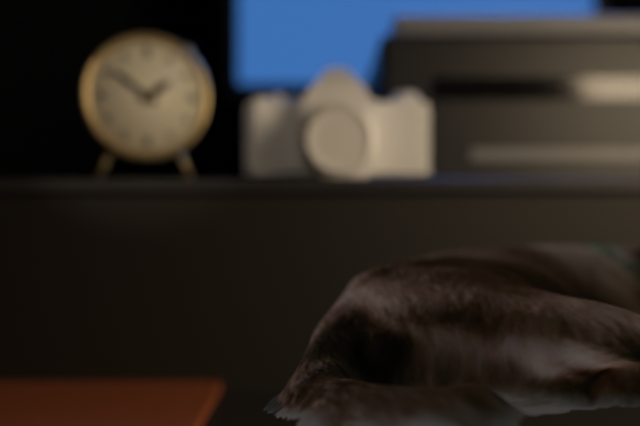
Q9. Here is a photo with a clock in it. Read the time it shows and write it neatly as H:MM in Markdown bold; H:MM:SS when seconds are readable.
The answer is **1:51**
